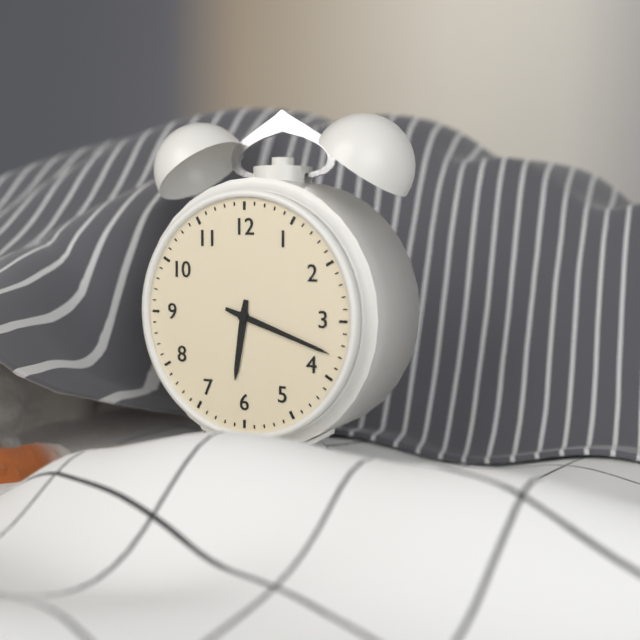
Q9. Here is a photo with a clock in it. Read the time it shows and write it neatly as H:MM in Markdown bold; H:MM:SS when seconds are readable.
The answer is **6:18**
